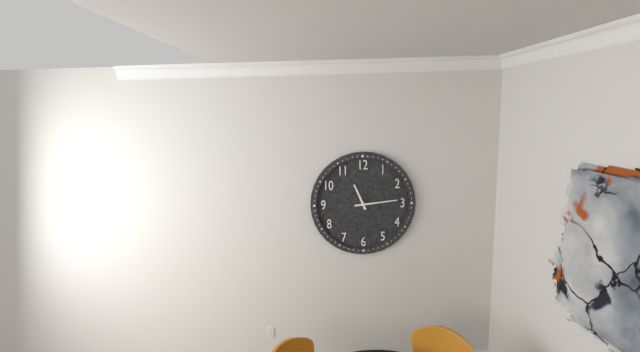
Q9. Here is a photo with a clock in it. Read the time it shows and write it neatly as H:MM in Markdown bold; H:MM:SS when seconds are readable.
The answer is **11:14**
